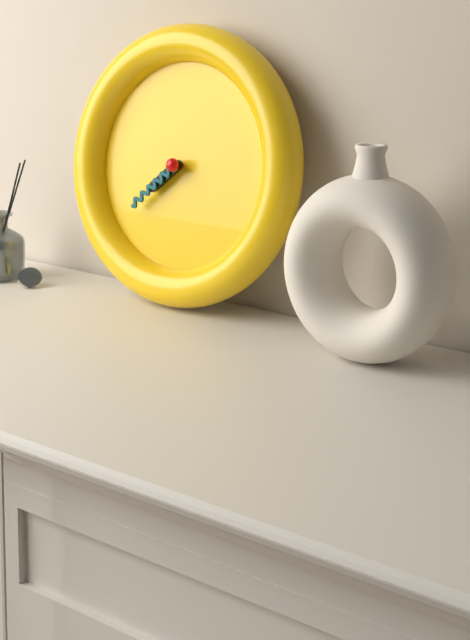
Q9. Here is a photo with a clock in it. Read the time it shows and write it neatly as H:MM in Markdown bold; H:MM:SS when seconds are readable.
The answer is **7:38**
